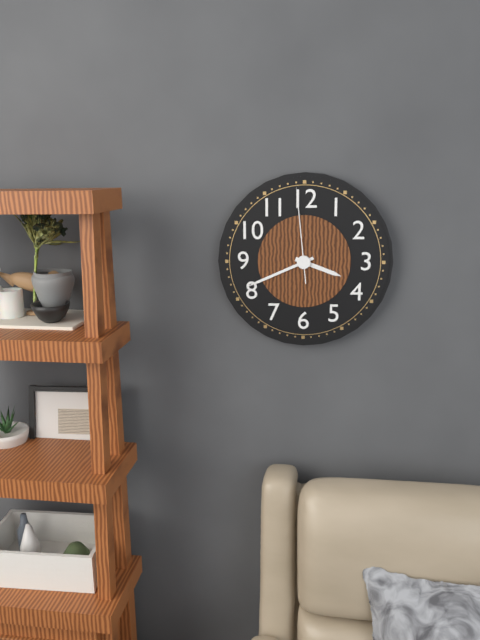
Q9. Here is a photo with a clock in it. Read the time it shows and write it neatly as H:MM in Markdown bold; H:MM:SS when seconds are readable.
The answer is **3:41:59**
